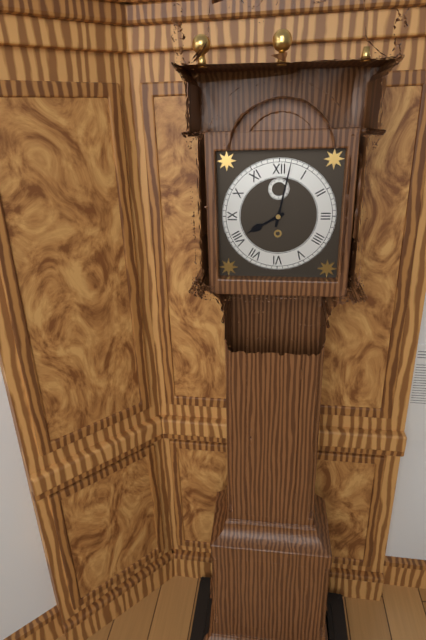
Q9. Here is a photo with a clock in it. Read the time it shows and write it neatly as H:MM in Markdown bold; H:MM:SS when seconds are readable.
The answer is **8:02**
